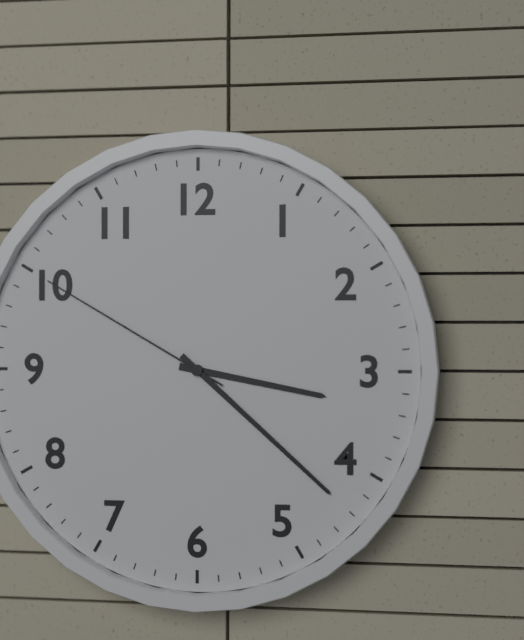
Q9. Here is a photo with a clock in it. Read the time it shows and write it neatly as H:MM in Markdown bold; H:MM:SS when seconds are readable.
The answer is **3:22:50**
